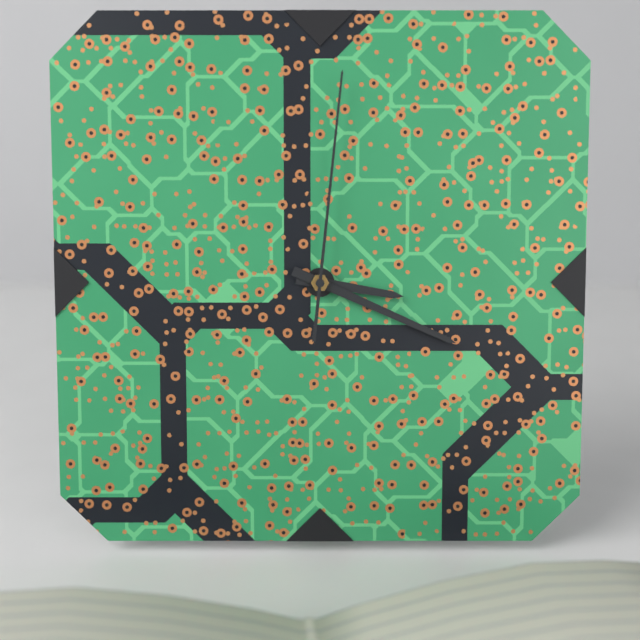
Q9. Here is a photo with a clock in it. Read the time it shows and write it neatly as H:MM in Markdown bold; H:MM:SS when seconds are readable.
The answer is **3:19:01**
